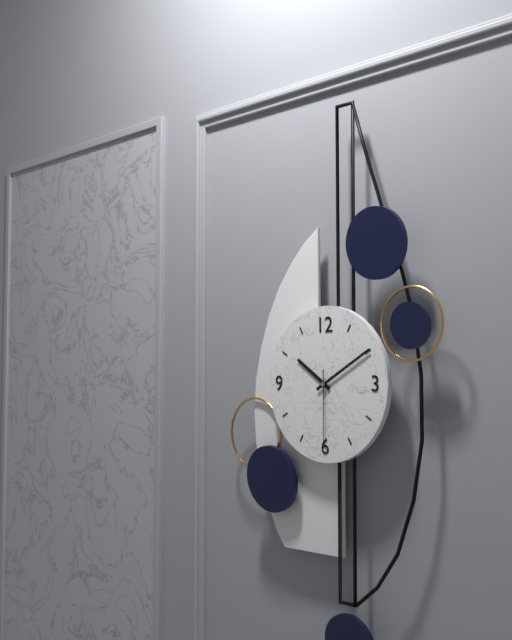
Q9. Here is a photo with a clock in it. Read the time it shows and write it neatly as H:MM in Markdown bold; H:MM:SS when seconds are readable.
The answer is **10:10:30**
